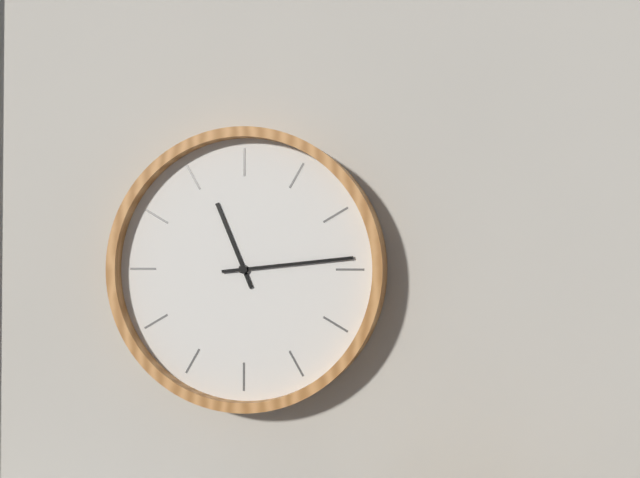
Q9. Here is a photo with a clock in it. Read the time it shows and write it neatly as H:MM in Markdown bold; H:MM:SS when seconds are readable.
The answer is **11:14**
